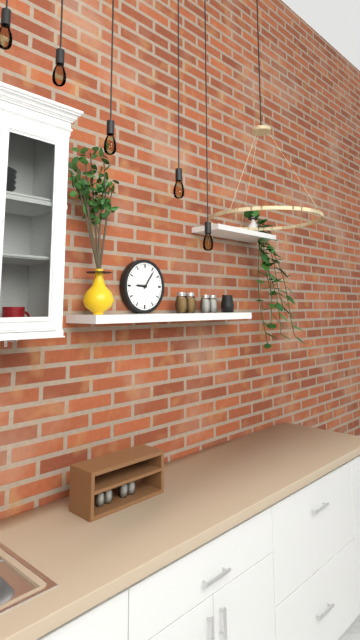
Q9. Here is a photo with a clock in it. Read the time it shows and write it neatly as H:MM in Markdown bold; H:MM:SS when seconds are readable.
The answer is **9:06**
